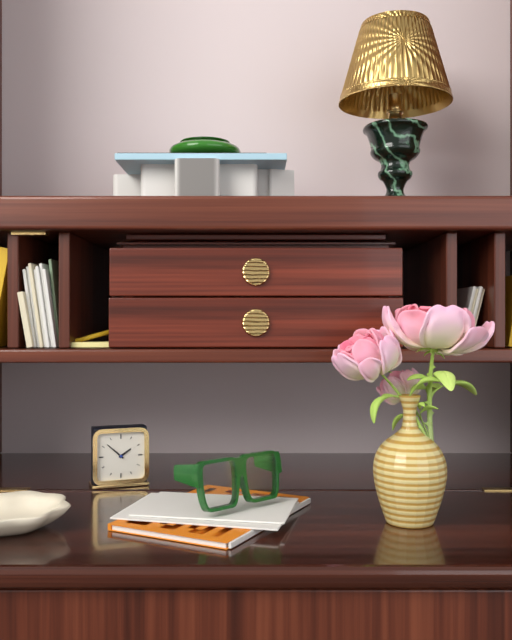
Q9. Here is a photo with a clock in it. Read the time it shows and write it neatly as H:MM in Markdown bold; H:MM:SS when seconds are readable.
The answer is **1:52**
